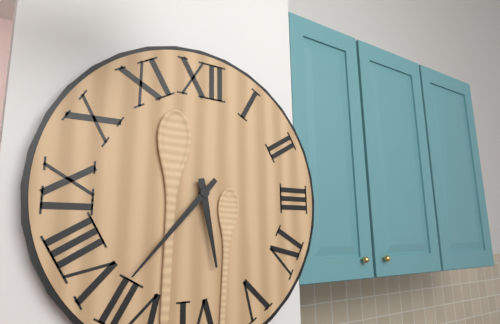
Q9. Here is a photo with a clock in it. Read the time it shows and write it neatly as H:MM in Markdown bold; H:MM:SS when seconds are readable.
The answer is **5:37**
